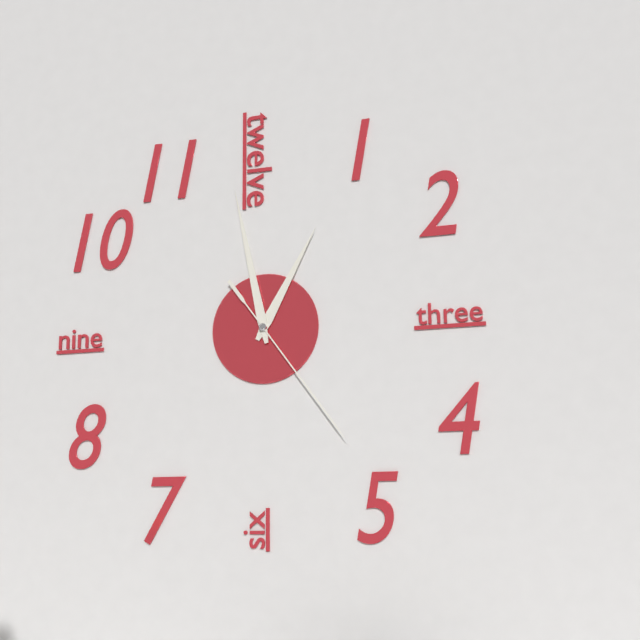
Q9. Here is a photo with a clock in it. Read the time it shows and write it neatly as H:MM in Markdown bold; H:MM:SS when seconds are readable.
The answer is **12:58:24**
